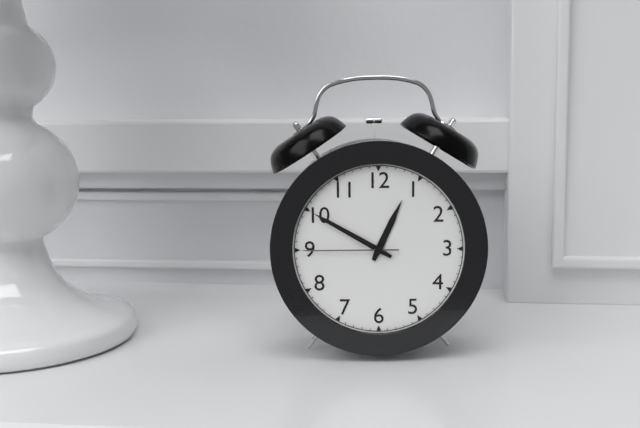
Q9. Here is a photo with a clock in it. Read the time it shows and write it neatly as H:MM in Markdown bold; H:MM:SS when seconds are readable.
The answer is **12:50:45**
